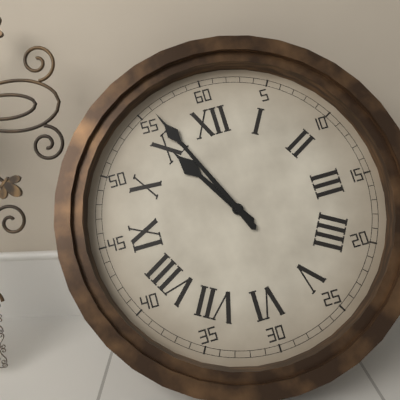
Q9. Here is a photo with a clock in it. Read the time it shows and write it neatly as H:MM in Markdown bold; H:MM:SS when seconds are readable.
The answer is **10:56**
